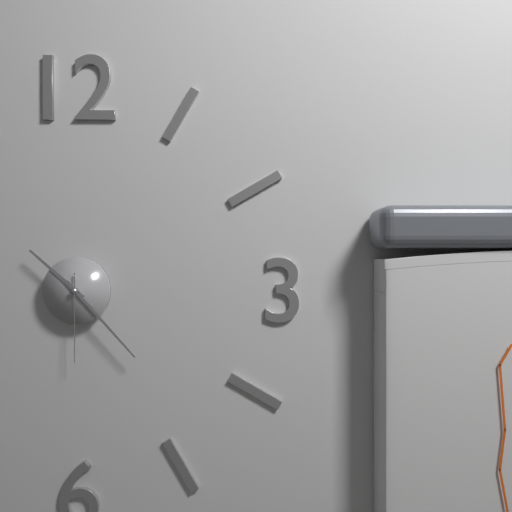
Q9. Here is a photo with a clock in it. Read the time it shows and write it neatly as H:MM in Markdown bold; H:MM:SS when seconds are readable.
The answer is **10:23:30**
